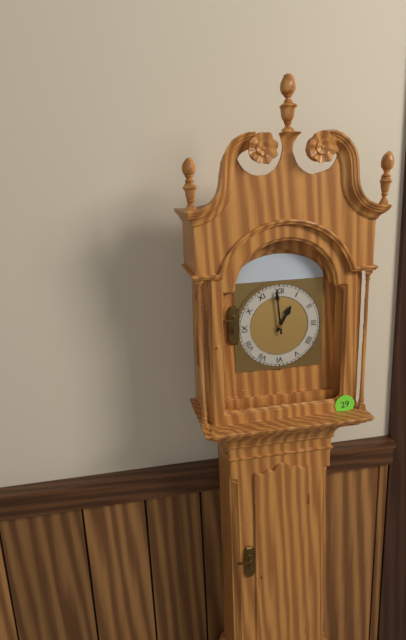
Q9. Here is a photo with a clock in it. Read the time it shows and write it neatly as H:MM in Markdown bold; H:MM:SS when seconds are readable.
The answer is **12:59**
